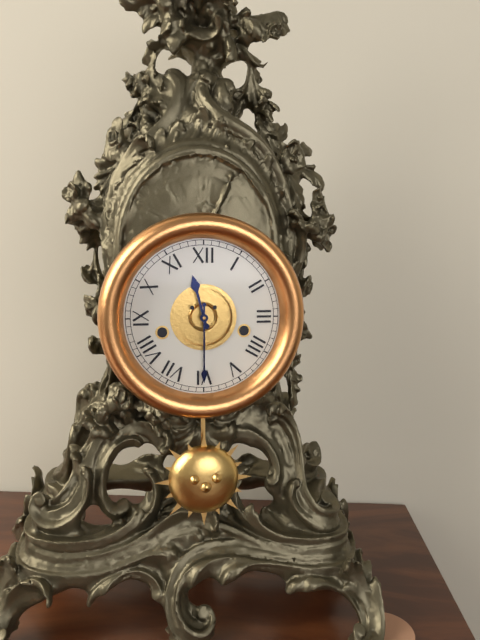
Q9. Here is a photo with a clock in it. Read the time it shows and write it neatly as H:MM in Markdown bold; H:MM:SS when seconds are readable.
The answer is **11:30**
